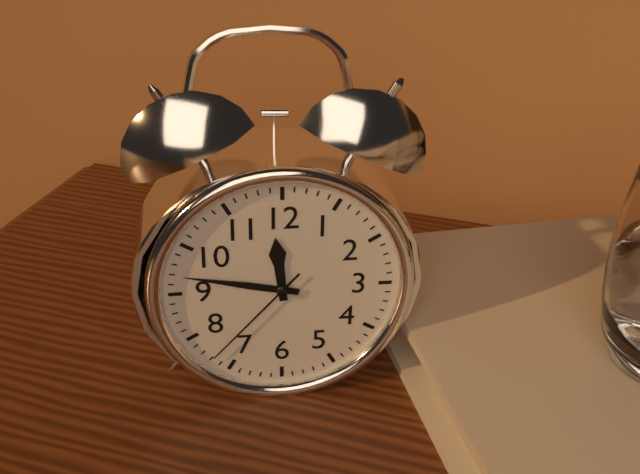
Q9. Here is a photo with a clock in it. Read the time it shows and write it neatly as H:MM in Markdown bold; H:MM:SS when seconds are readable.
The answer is **11:47:37**
